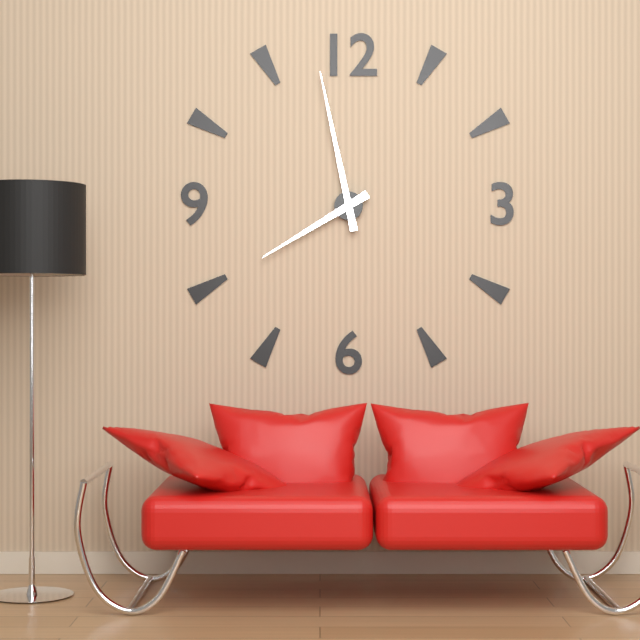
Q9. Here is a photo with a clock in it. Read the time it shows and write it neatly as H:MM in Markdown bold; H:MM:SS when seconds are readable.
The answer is **7:58**
